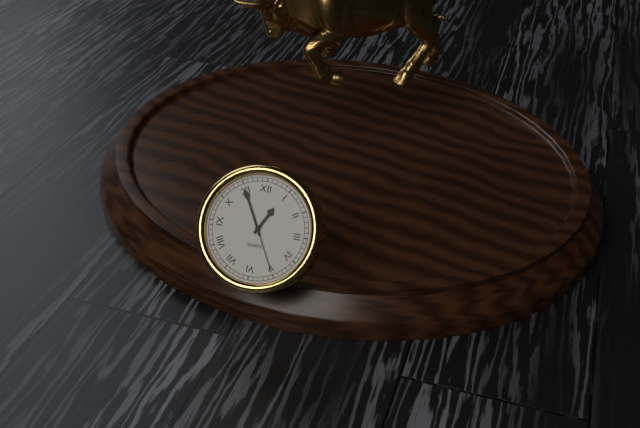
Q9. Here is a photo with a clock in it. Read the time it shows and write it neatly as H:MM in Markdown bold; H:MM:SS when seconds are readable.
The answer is **12:55:25**
